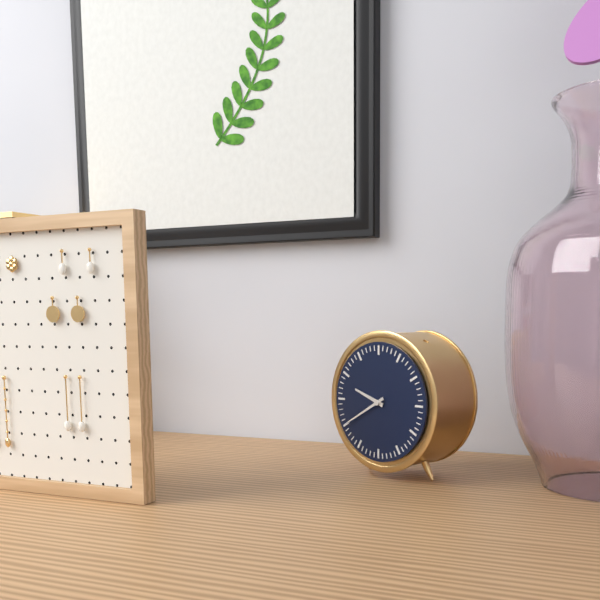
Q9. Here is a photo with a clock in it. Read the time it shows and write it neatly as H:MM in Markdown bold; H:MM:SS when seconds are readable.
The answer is **9:40**
